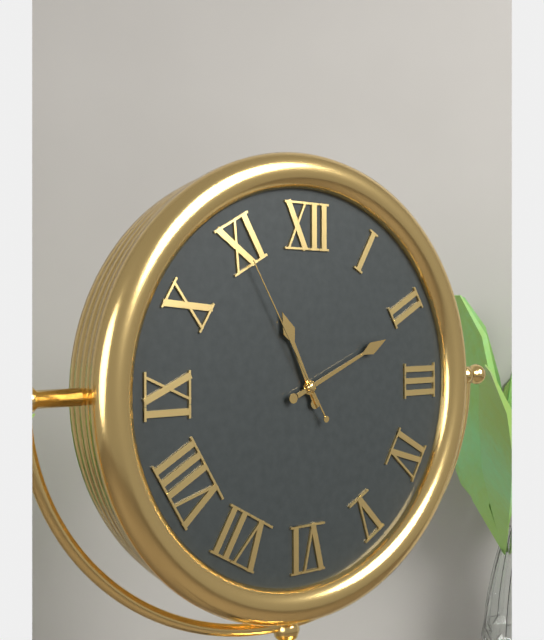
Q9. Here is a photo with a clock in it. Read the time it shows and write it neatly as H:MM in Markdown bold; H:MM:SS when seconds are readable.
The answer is **11:11:55**
